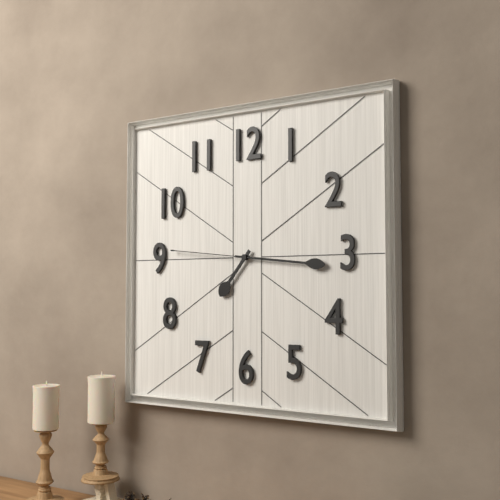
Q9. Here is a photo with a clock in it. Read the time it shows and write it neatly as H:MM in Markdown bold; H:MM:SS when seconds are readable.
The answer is **7:16:46**
